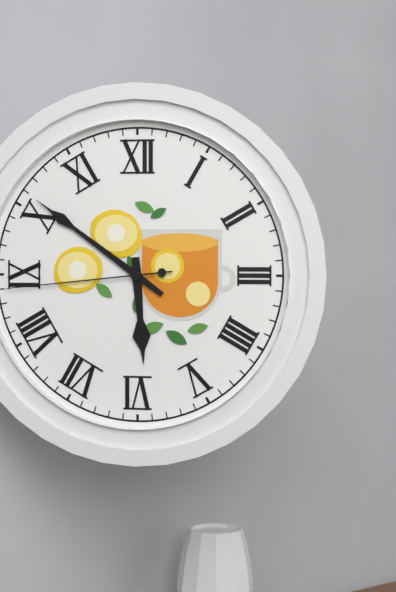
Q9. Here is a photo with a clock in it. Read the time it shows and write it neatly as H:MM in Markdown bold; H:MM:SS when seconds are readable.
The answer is **5:51:44**
